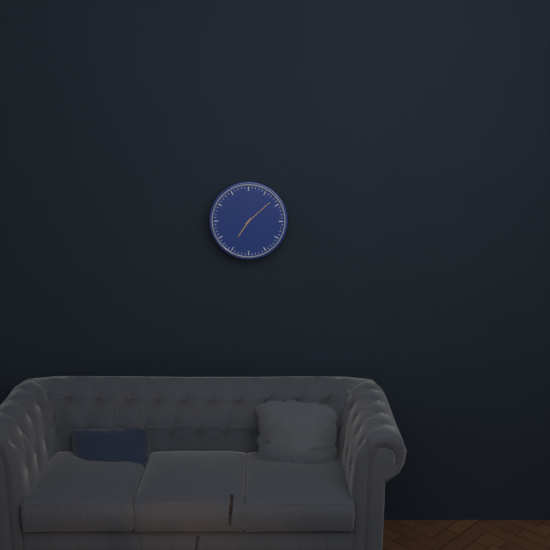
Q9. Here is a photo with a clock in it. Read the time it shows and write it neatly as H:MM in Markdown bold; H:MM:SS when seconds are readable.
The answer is **7:08**
